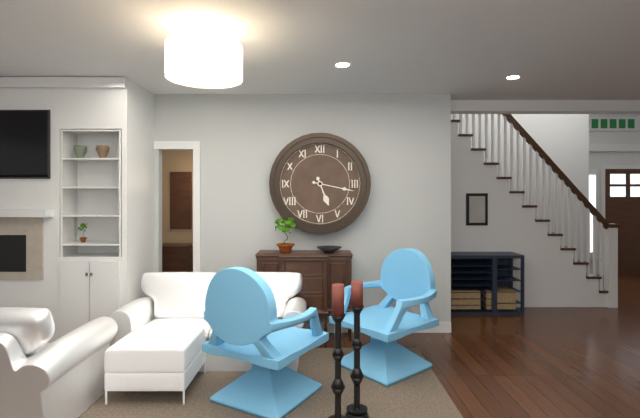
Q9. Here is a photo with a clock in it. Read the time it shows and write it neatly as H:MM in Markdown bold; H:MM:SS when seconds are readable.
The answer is **5:17**
